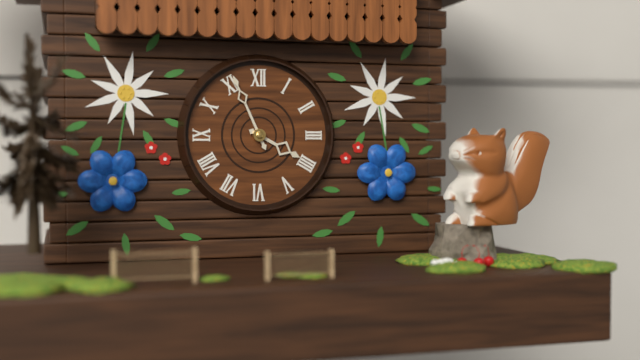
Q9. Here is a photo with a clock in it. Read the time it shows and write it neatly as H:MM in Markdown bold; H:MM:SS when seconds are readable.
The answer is **3:56**
